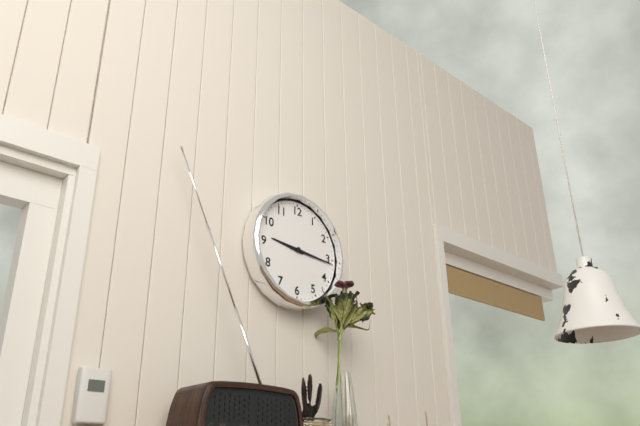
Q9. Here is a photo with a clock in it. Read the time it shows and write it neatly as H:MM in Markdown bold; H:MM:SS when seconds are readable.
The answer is **9:16**
